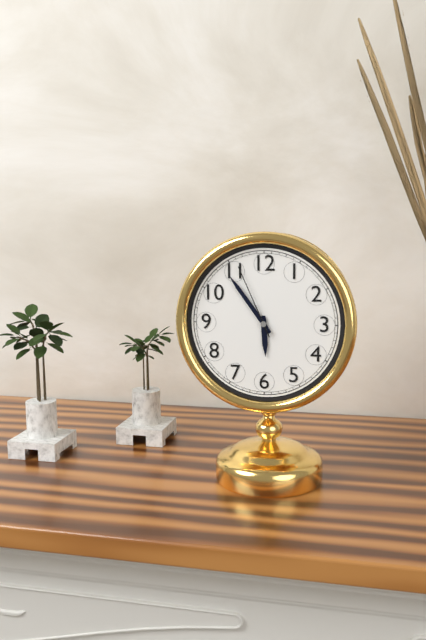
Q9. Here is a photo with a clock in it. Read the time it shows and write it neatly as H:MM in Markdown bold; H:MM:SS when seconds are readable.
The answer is **5:54:56**
